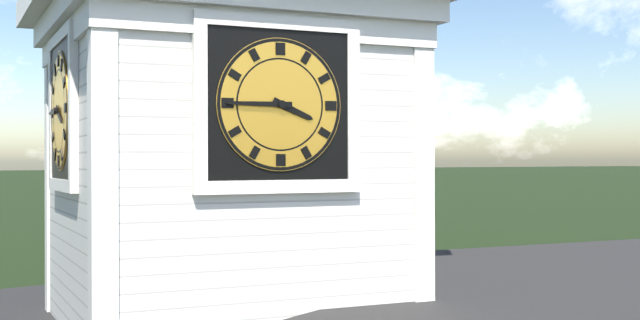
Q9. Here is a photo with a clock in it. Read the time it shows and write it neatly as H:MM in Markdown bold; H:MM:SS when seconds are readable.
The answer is **3:45**
